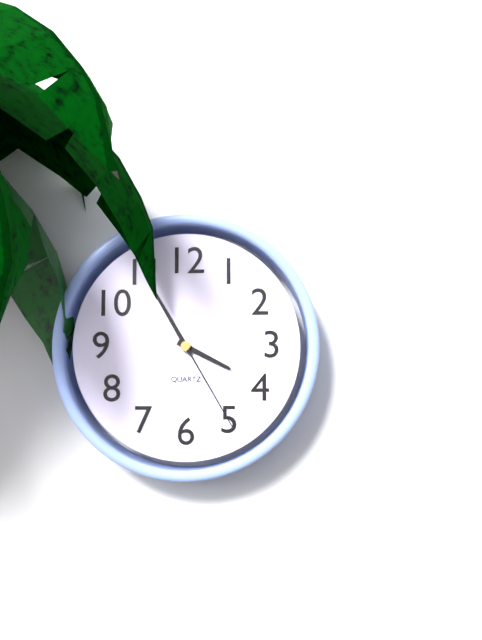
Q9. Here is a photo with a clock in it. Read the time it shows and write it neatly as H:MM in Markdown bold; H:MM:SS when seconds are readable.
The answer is **3:55:25**
